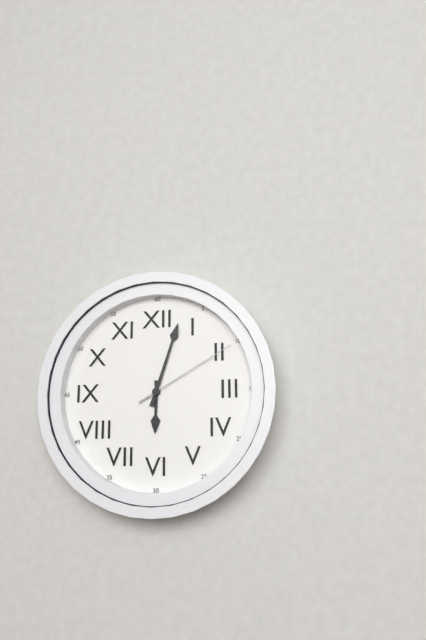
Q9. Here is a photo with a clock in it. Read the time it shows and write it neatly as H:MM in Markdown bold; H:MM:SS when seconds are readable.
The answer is **6:03:10**
